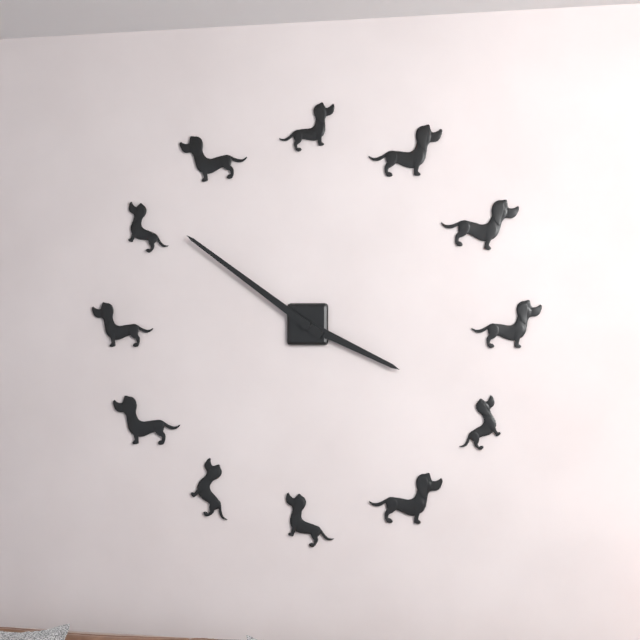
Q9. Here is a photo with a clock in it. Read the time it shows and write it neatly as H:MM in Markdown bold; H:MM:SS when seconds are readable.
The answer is **3:51**
